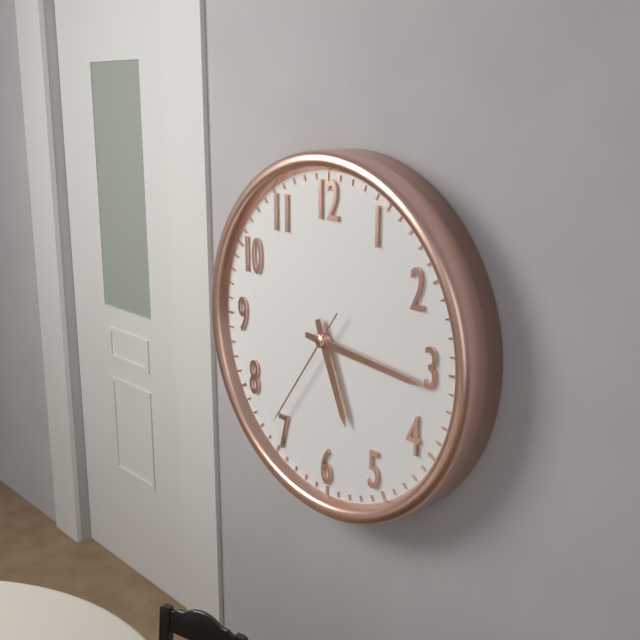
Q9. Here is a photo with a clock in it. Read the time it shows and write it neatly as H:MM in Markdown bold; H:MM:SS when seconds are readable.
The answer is **5:16:36**
